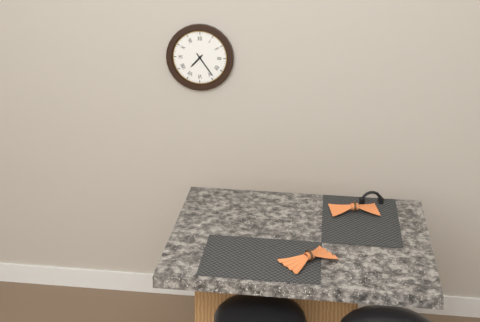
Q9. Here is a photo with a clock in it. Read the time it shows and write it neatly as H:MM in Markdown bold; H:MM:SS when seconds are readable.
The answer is **7:24**
